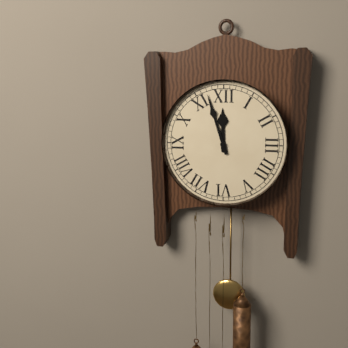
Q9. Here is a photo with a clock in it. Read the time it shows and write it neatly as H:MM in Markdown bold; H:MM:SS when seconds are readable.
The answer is **11:57**
